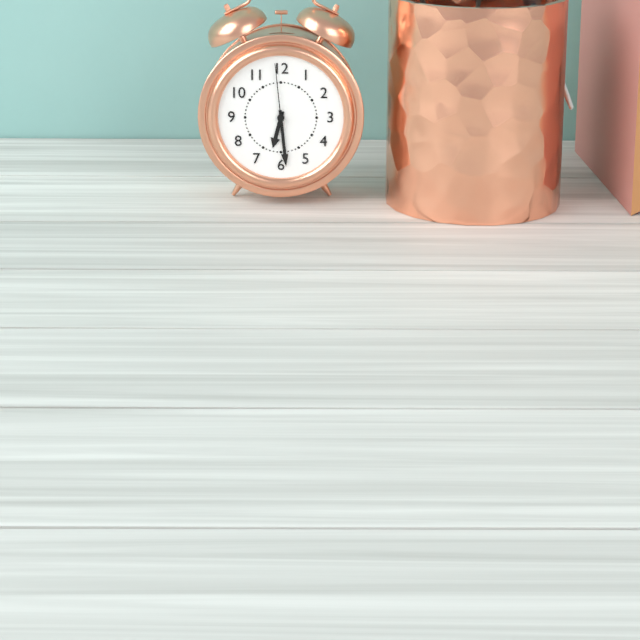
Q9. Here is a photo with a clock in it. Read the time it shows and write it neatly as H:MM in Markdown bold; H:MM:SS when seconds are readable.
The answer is **6:29:59**
